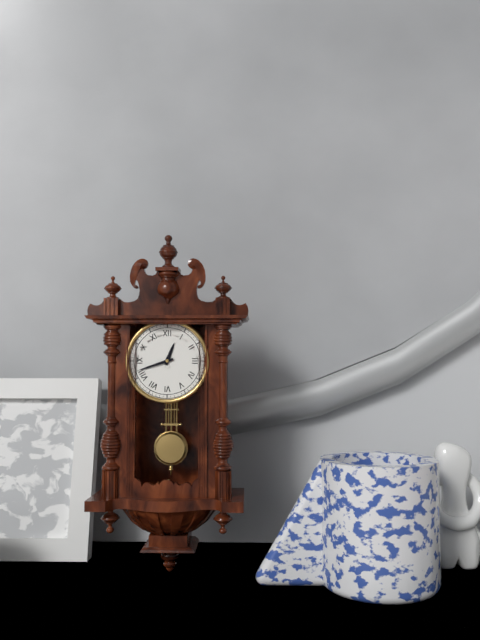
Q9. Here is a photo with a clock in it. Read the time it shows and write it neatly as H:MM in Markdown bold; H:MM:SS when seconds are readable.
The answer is **12:42**
